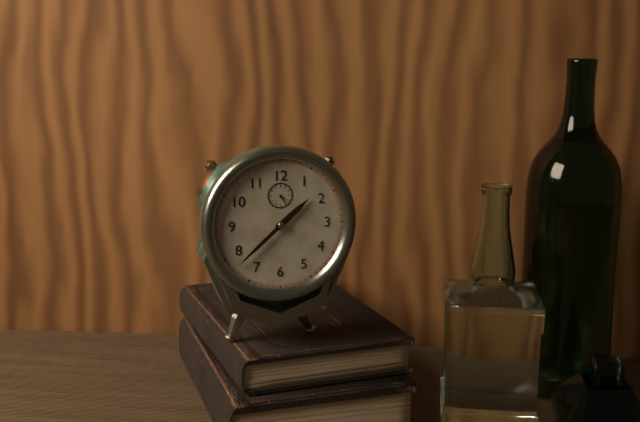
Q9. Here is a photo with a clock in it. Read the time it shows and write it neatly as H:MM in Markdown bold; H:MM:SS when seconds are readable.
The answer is **1:38**
